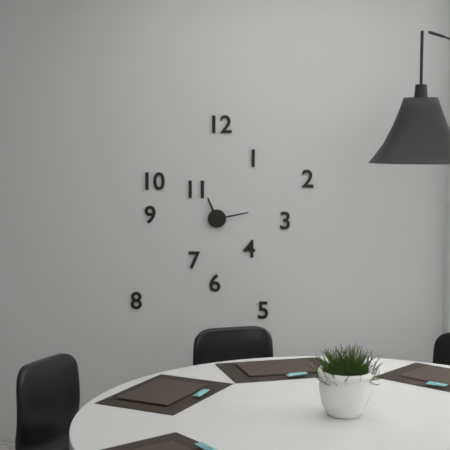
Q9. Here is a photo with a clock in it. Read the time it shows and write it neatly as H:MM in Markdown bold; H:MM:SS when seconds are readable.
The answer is **11:13**
